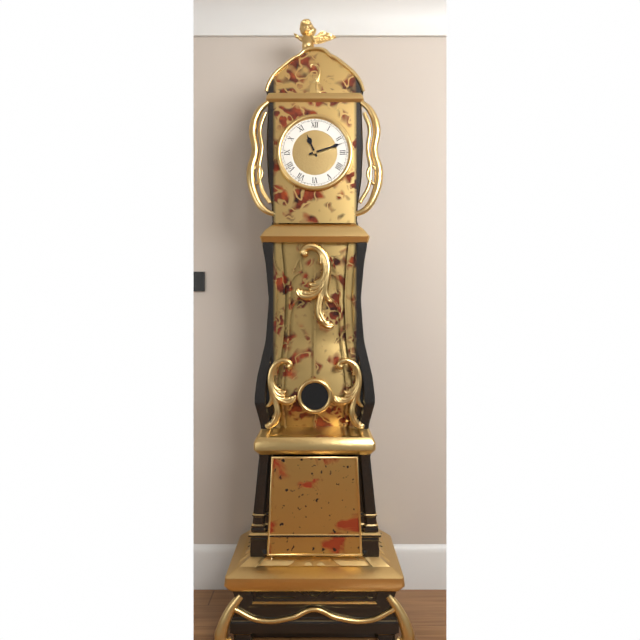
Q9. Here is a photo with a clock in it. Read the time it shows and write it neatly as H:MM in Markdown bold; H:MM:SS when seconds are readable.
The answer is **11:12**
